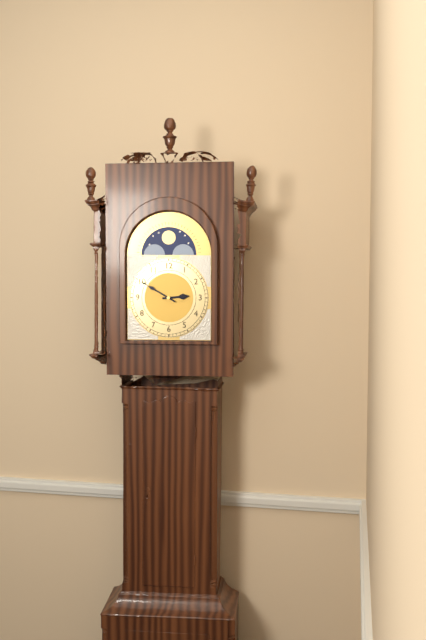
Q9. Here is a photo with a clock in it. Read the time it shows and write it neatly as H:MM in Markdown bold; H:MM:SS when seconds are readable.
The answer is **2:50**
